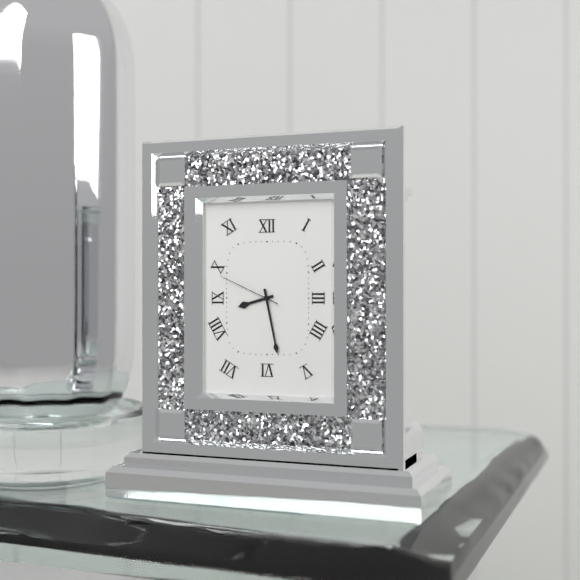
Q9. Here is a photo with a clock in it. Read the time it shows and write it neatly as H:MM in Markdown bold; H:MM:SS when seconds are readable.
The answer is **8:28:49**
